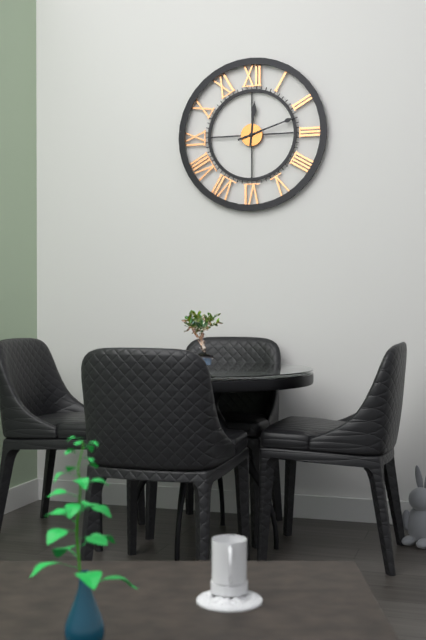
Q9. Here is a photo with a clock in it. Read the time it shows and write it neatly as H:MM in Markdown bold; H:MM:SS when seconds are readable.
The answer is **12:12**
